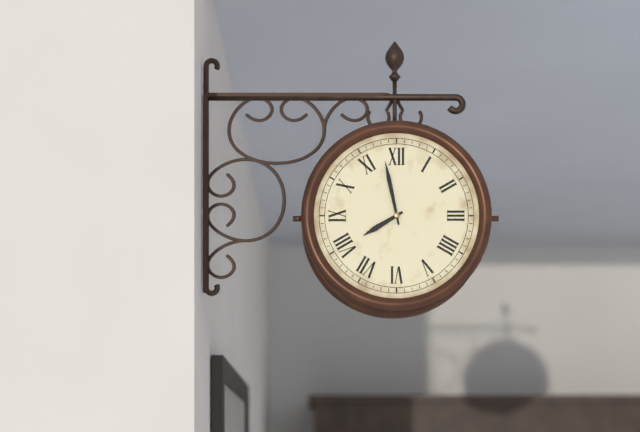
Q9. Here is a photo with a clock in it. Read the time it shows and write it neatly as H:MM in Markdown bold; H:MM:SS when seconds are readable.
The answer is **7:58**
